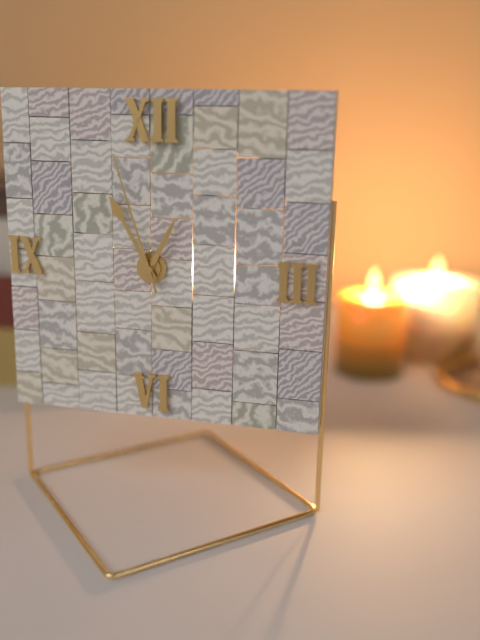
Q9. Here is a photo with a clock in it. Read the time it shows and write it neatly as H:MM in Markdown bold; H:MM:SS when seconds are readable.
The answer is **12:55:57**
